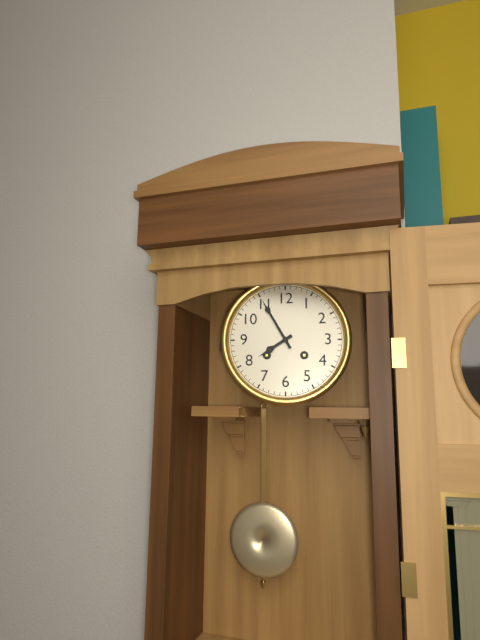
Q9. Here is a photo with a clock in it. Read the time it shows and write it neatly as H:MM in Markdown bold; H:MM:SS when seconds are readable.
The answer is **7:55**
